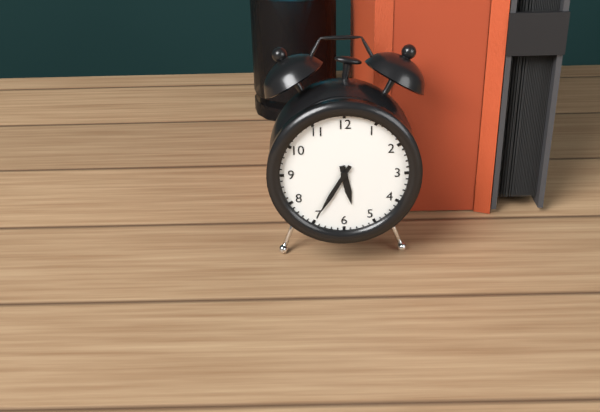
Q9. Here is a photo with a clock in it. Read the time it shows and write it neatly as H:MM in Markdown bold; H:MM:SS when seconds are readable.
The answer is **5:35**
